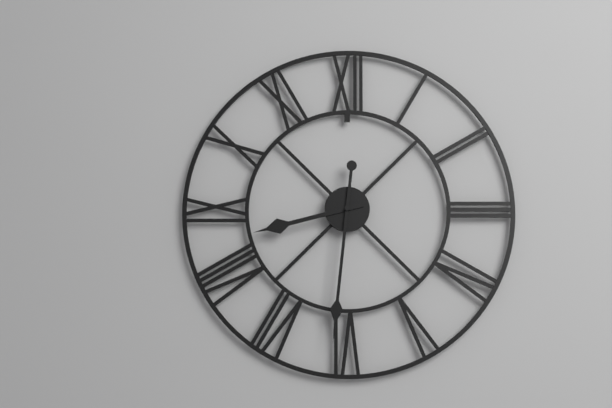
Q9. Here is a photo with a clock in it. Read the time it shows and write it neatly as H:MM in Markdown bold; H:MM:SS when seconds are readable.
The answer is **8:31**
